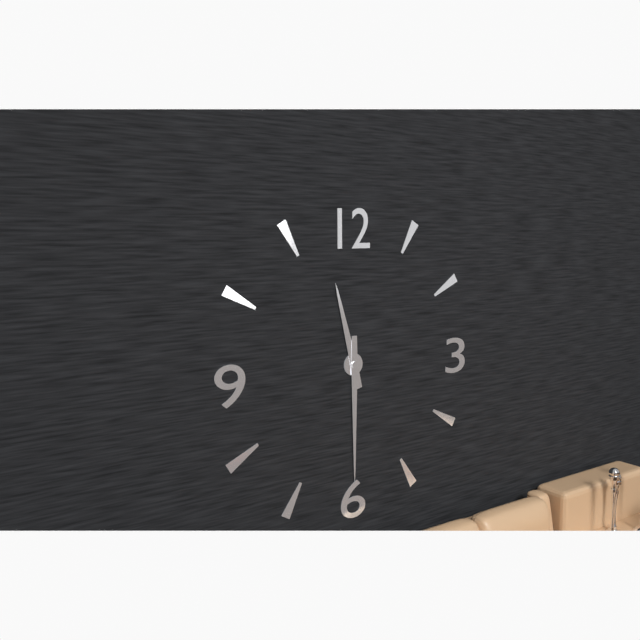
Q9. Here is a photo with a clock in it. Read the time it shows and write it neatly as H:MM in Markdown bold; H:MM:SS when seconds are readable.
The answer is **11:30**
